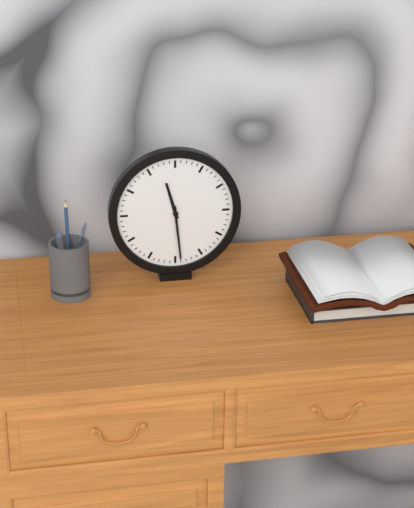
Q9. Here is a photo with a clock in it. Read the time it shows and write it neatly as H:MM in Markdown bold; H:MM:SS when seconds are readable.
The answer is **11:29**
